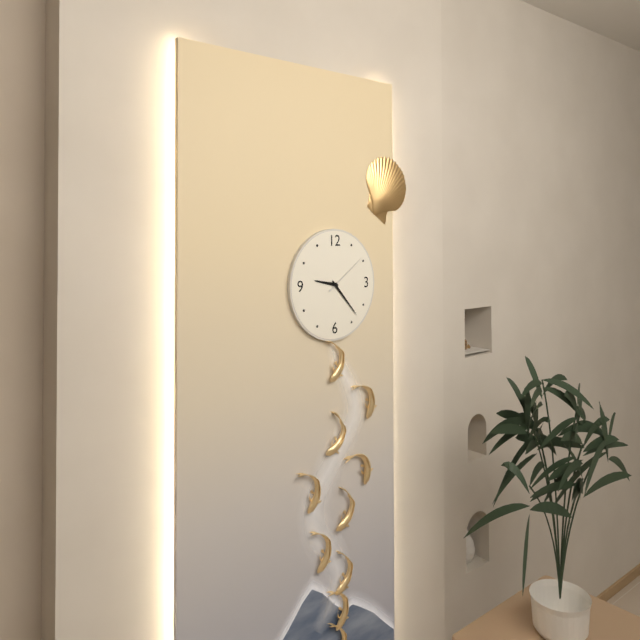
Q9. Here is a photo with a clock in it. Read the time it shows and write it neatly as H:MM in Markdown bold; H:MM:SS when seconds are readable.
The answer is **9:23**
